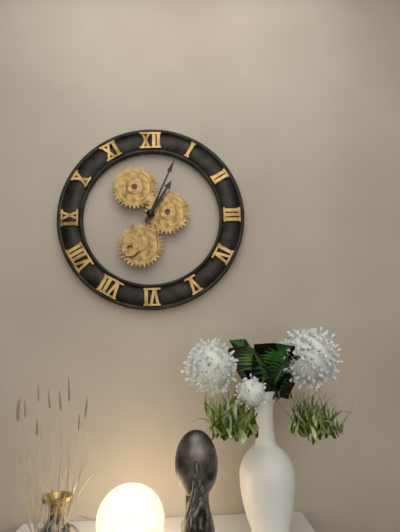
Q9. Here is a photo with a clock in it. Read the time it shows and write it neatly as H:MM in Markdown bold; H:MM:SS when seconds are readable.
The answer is **1:04**
